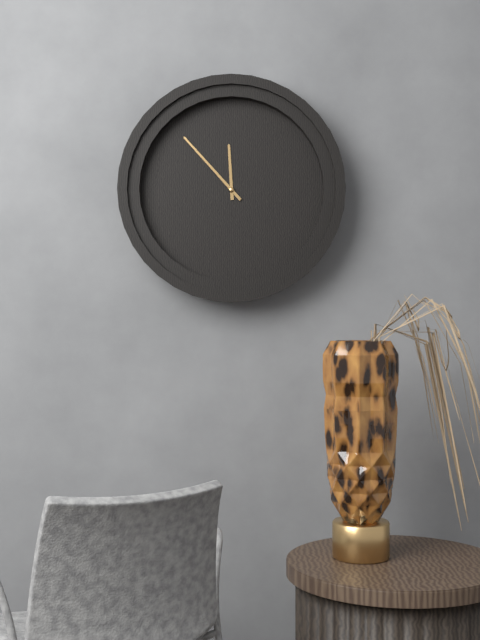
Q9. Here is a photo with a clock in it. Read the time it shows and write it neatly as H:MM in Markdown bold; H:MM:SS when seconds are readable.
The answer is **11:53**
